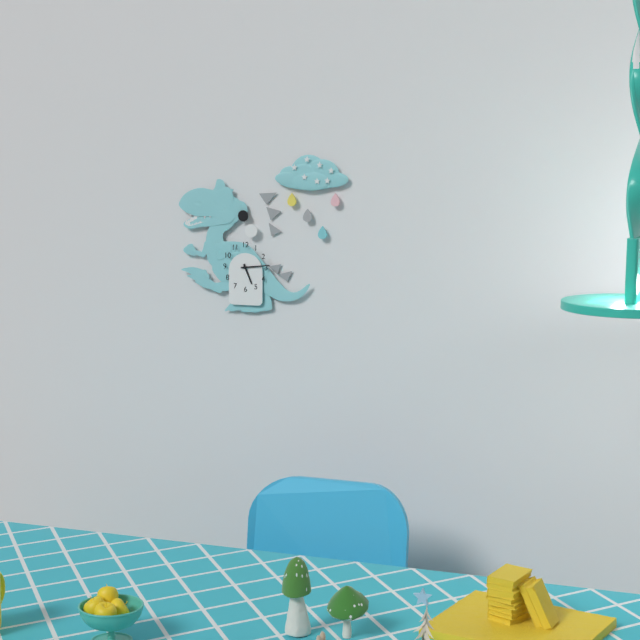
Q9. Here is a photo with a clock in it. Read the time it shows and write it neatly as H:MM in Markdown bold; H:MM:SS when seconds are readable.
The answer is **5:14**
